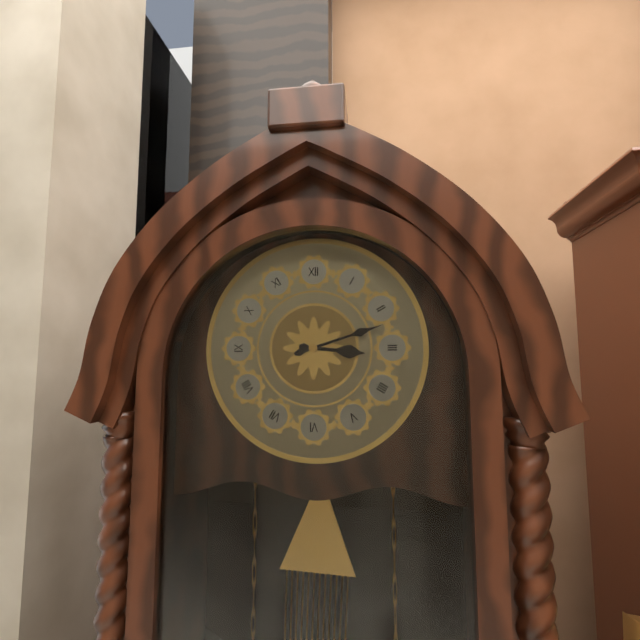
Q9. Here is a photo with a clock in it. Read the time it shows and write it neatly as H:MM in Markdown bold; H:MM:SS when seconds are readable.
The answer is **3:12**
